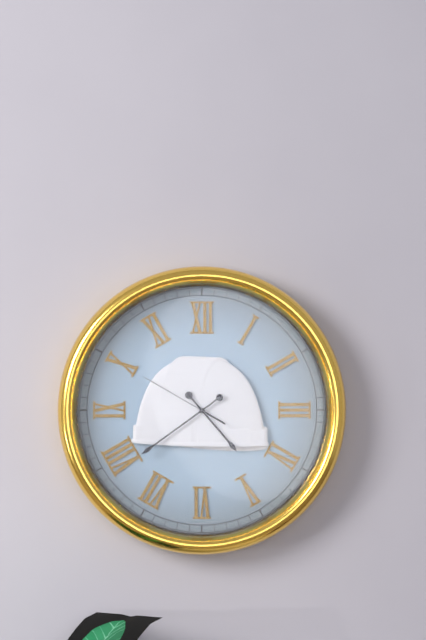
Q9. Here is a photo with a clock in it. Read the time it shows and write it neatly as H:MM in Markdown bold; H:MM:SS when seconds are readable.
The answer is **4:39:50**
